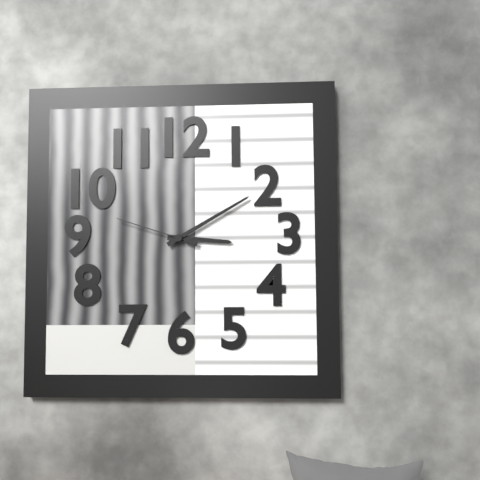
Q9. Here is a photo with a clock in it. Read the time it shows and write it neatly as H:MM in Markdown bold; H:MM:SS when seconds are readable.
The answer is **3:10:48**
